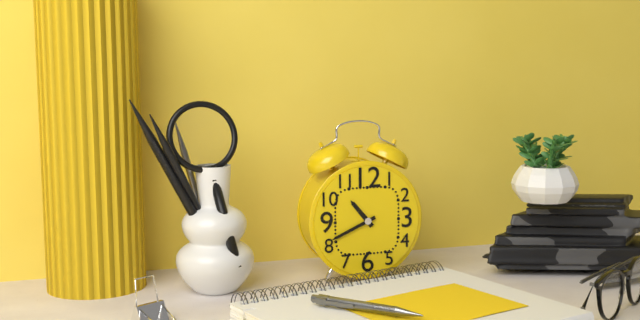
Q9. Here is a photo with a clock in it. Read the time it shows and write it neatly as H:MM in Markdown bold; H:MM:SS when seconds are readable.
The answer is **10:41**
